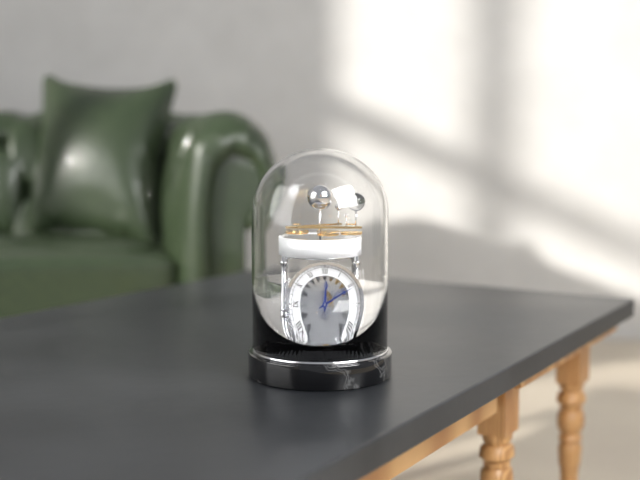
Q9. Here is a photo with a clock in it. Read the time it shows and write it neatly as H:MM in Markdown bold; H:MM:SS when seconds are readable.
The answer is **12:11**
